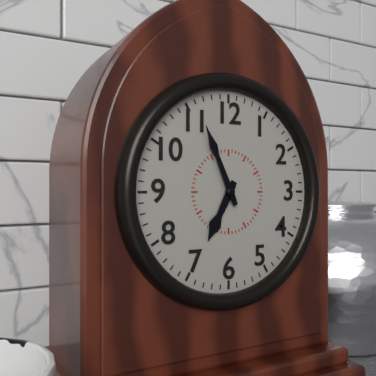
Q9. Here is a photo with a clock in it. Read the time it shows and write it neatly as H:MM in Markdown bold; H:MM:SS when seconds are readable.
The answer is **6:56**
